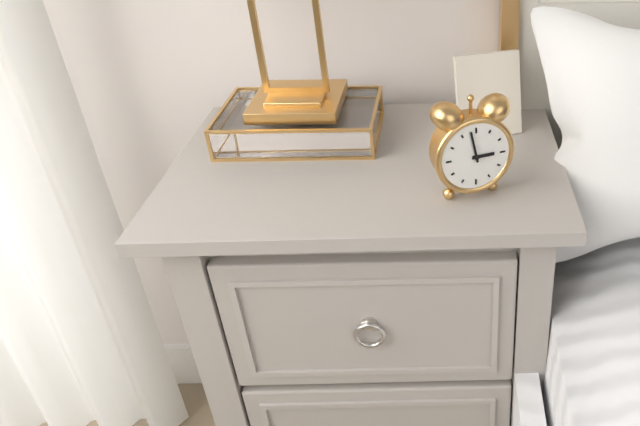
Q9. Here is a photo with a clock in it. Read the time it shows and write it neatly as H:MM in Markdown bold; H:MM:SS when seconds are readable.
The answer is **2:58**
